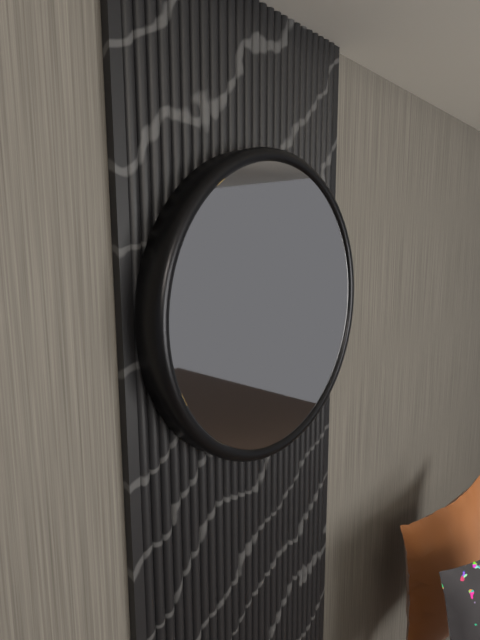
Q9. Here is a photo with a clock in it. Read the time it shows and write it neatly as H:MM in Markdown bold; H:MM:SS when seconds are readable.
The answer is **12:12**
